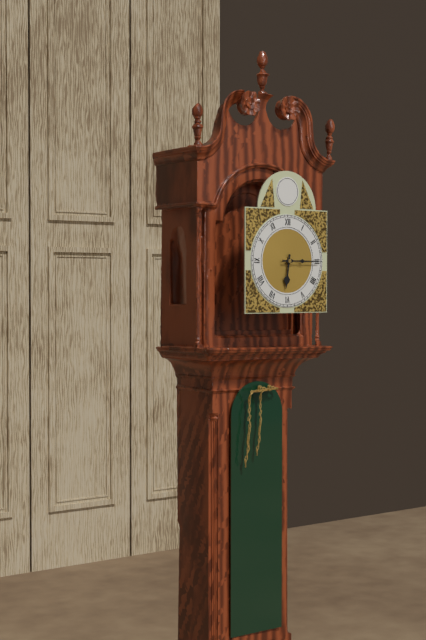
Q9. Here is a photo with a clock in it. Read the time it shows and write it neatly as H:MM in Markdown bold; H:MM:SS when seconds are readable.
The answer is **6:15**
